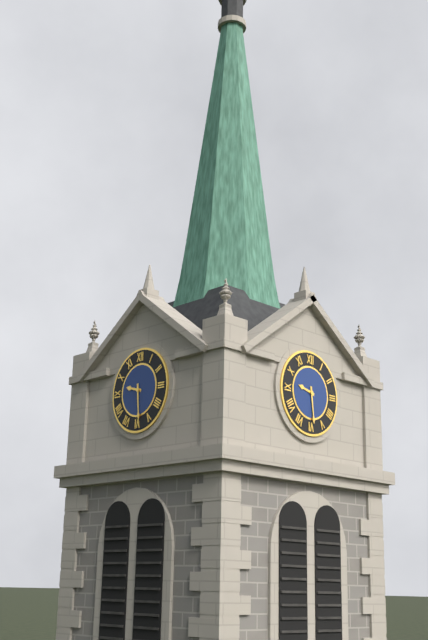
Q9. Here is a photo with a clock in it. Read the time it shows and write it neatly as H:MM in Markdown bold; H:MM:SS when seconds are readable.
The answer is **9:29**
